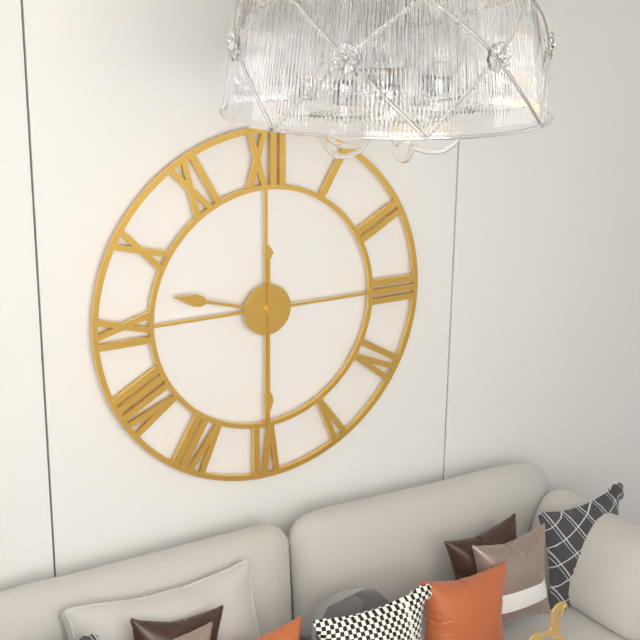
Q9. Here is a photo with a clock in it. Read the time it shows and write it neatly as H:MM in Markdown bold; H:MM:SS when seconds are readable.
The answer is **9:30**
